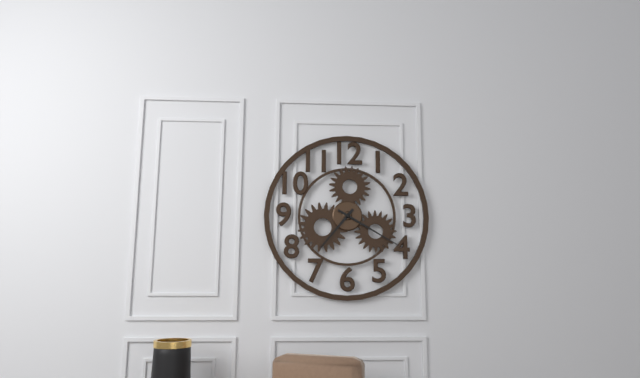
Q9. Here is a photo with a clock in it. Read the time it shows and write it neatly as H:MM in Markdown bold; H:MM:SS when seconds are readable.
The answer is **7:20**
